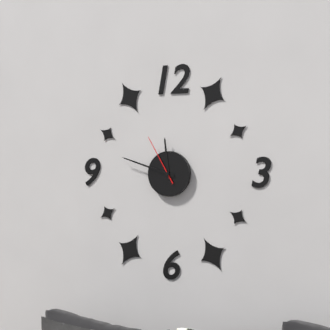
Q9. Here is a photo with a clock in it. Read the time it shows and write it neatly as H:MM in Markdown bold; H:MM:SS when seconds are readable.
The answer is **11:48:55**
